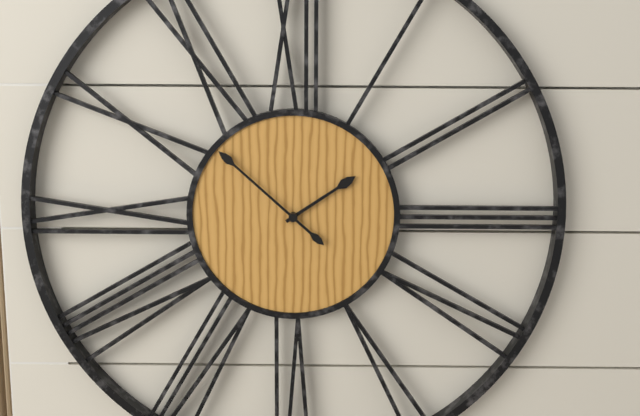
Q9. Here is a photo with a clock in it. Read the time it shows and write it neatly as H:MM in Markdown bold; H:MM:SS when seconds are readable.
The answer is **1:52**
